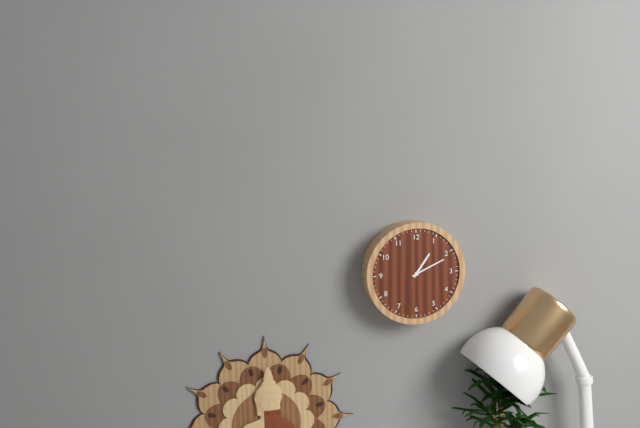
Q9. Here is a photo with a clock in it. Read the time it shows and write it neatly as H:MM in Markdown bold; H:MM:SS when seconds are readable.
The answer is **1:11**
